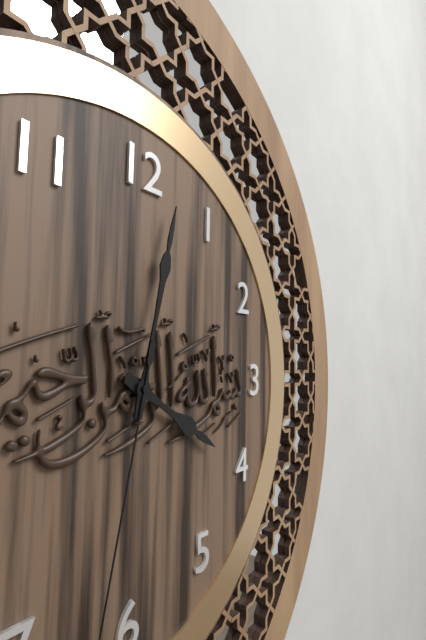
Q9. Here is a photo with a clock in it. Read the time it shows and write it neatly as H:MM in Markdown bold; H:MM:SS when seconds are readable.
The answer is **4:02**
